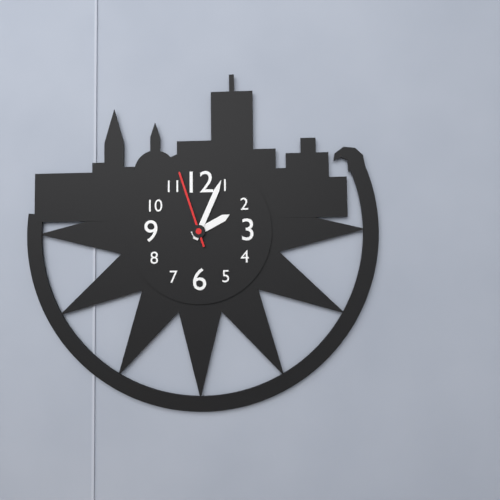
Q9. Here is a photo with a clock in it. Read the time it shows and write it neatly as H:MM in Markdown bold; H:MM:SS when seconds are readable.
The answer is **2:04:57**
